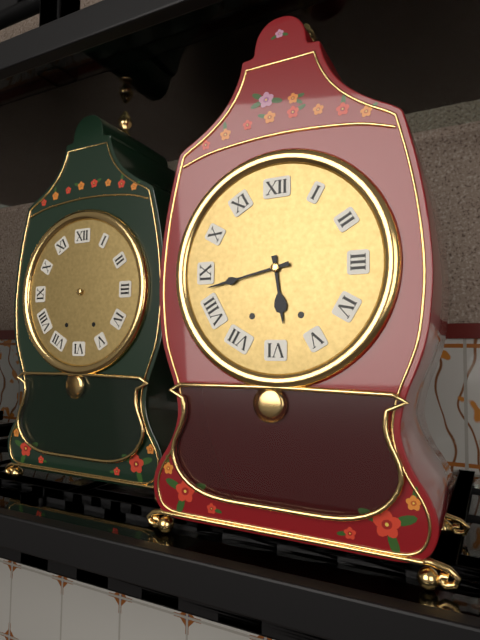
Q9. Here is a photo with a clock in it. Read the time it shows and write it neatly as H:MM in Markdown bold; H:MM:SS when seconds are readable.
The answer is **5:43**
